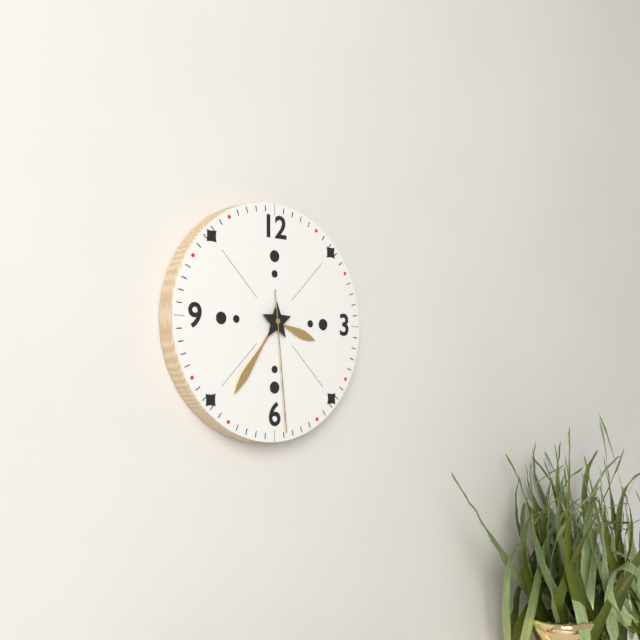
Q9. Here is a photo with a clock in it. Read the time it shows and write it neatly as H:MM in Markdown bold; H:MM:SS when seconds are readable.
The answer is **3:36:29**
